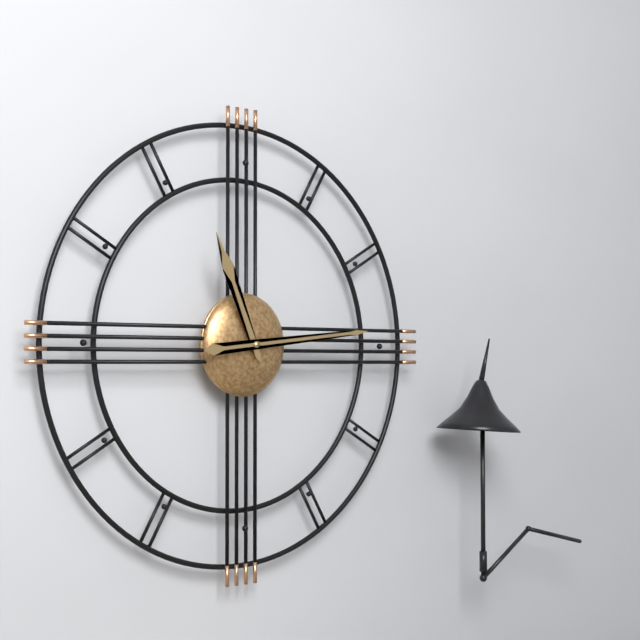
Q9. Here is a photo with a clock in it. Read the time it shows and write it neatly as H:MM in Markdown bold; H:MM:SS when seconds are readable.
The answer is **11:14**
